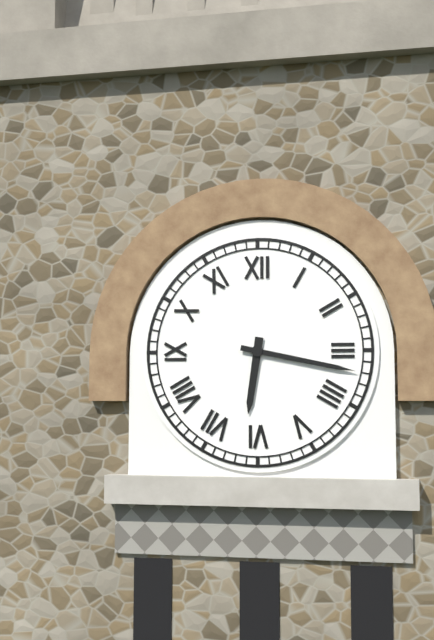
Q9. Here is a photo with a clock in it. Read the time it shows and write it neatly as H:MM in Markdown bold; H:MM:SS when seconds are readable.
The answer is **6:17**
